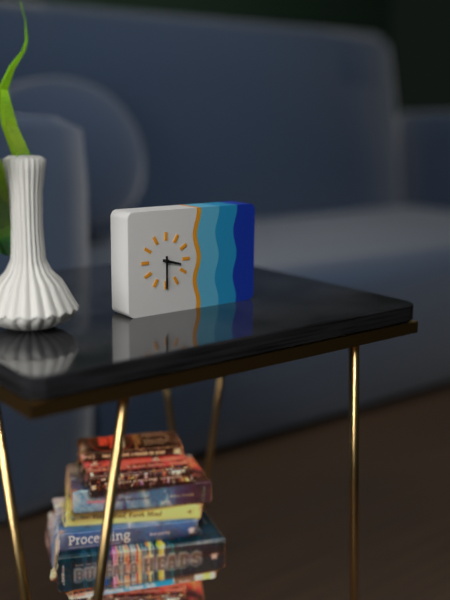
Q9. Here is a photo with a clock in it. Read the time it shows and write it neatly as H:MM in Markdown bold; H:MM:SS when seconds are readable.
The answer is **3:30**
